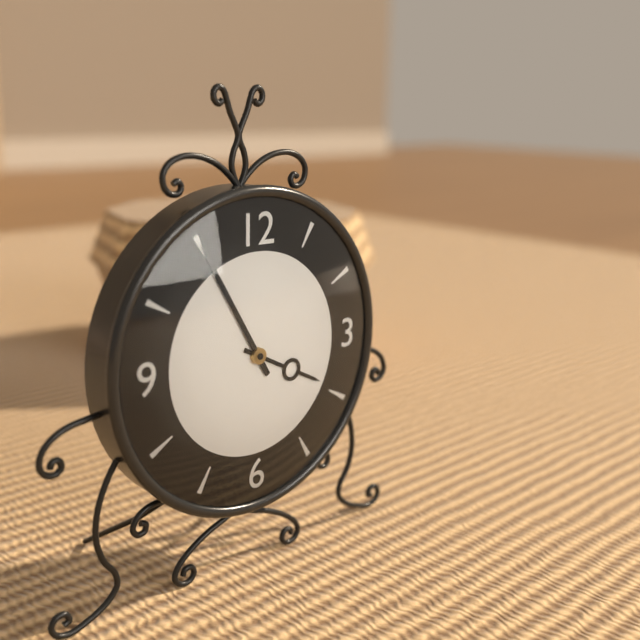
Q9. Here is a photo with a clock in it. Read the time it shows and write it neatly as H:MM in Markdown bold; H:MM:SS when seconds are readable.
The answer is **3:55**
